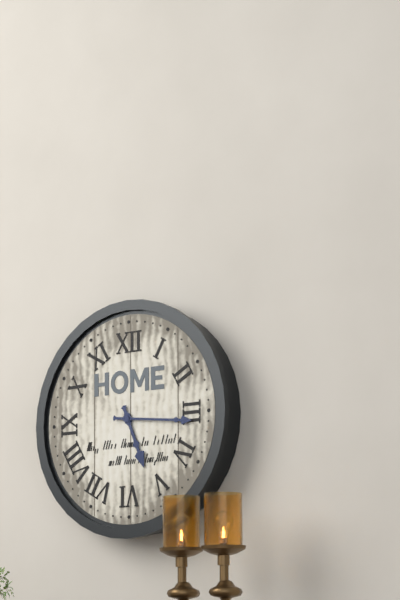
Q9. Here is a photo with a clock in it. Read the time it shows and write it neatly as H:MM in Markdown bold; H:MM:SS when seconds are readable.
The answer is **5:16**
